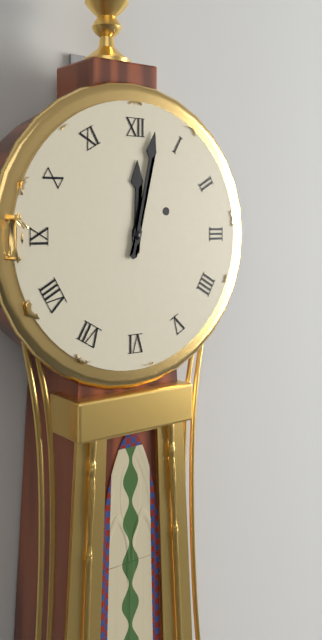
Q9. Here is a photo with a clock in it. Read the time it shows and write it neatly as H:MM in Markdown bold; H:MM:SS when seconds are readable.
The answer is **12:02**
